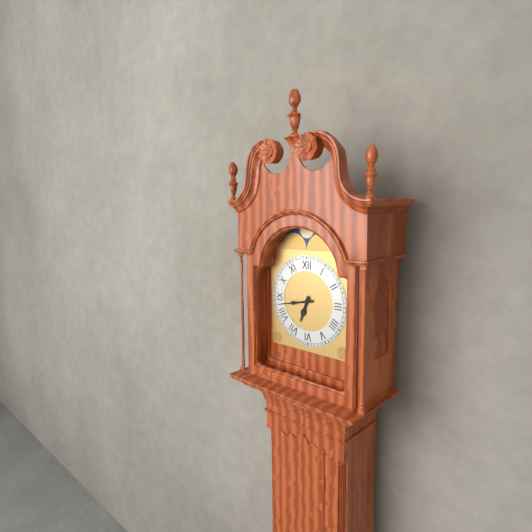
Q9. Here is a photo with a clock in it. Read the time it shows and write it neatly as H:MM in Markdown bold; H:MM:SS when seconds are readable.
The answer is **6:43**
